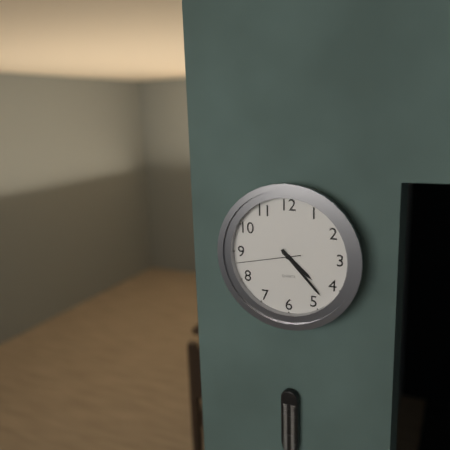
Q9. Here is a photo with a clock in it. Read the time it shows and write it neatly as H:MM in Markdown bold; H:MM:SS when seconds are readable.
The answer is **4:23:43**
